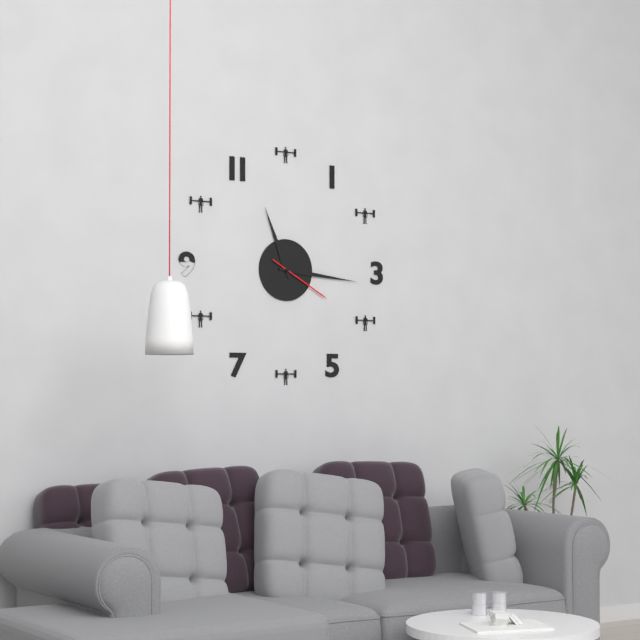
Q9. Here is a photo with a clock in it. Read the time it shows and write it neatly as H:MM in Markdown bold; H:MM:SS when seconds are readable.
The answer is **11:16:20**
